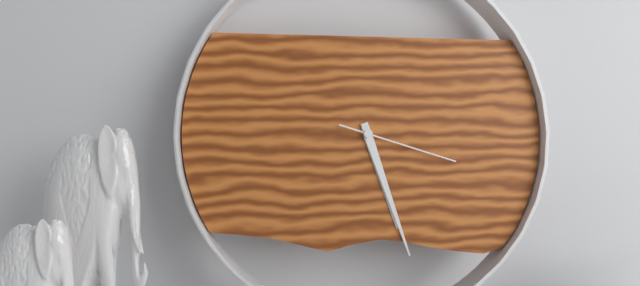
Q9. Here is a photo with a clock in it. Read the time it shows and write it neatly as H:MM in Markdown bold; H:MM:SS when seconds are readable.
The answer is **5:27:18**
